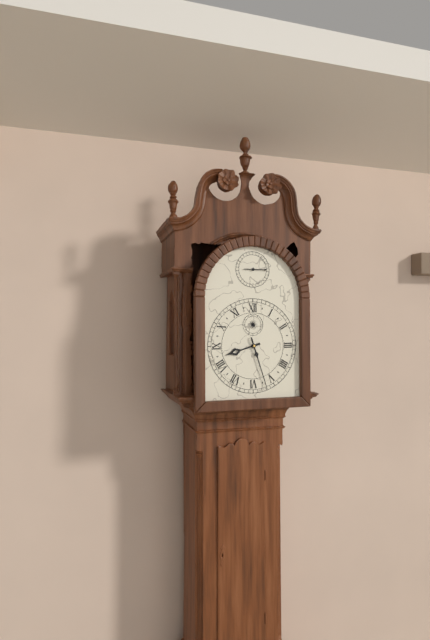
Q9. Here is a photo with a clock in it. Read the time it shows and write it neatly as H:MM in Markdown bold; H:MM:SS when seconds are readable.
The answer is **8:27**
